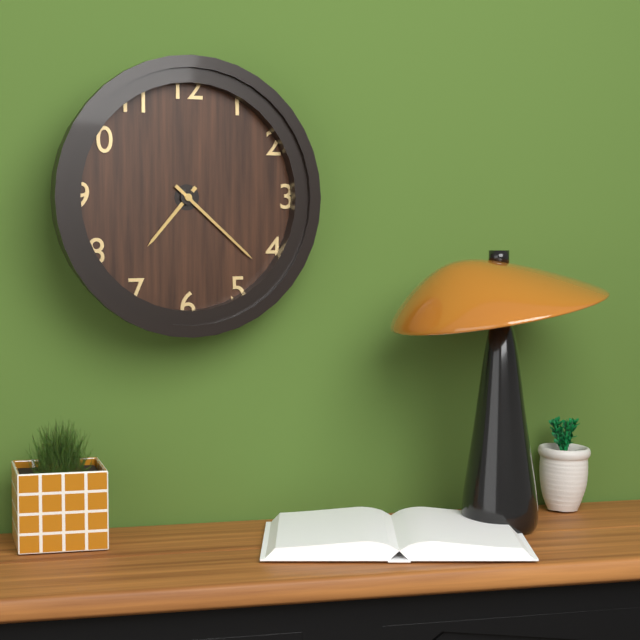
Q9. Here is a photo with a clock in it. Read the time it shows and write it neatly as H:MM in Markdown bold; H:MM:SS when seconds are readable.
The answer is **7:22**
